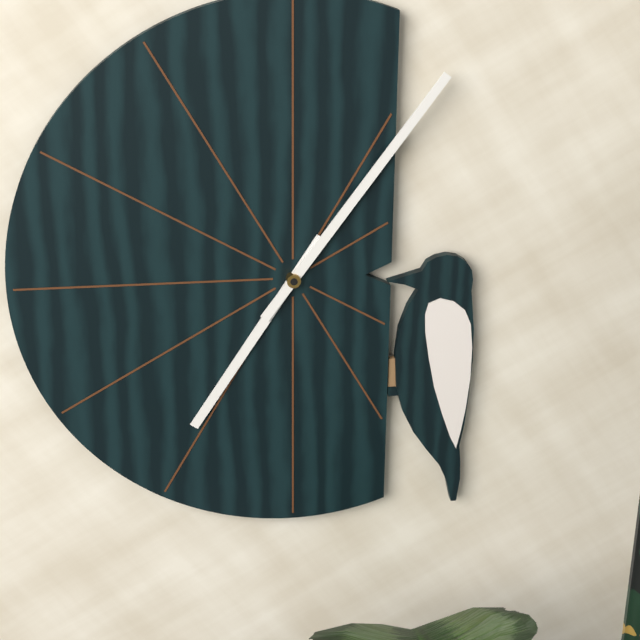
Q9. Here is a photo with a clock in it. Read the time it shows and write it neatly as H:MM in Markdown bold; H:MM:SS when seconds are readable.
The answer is **7:06**
